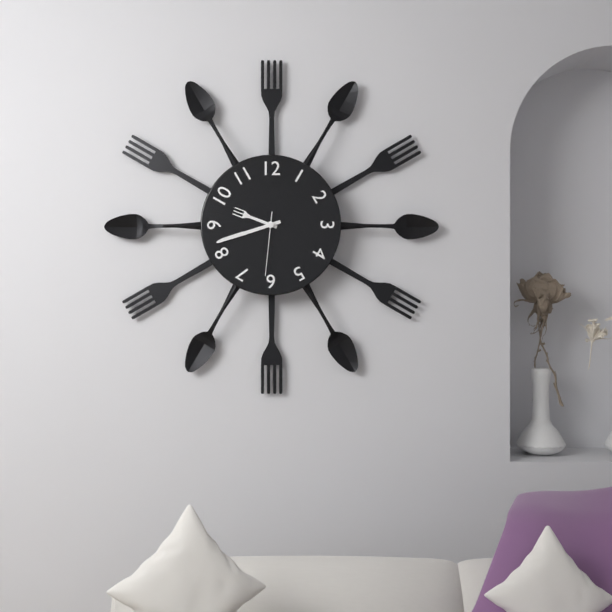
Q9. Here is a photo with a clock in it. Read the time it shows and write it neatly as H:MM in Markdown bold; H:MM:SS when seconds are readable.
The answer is **9:42:31**
